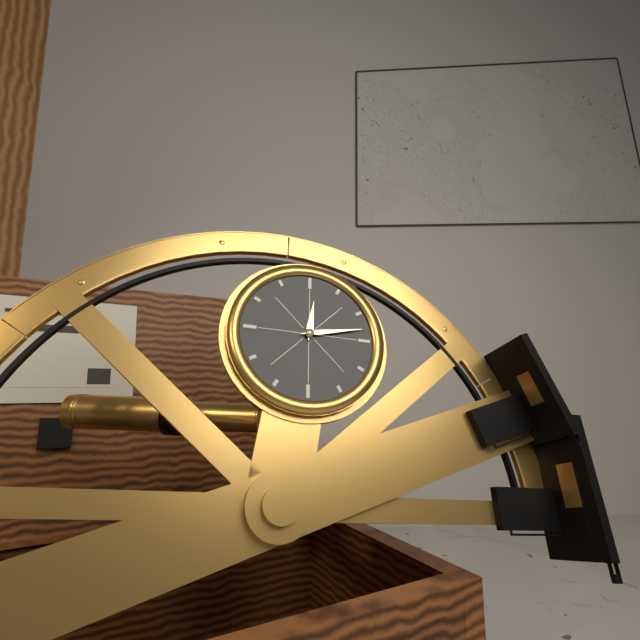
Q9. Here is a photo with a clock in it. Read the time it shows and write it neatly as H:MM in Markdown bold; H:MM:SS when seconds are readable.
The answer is **12:13**
